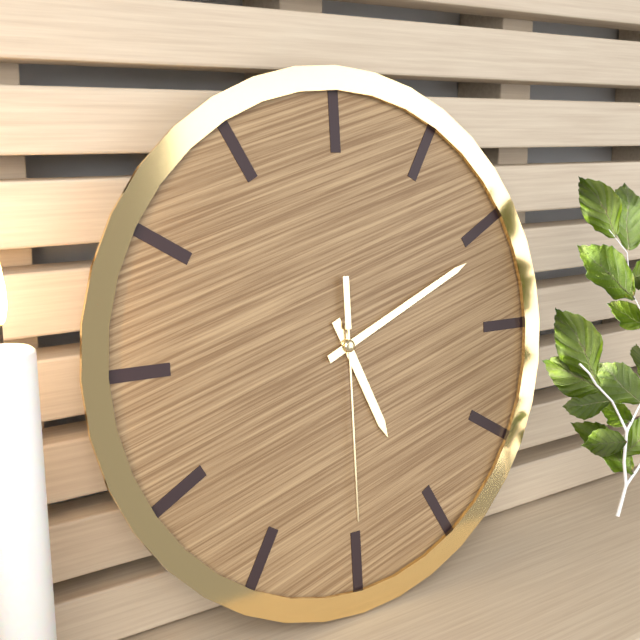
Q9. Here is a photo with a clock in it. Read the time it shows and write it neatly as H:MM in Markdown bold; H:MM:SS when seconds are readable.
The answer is **5:11:30**
